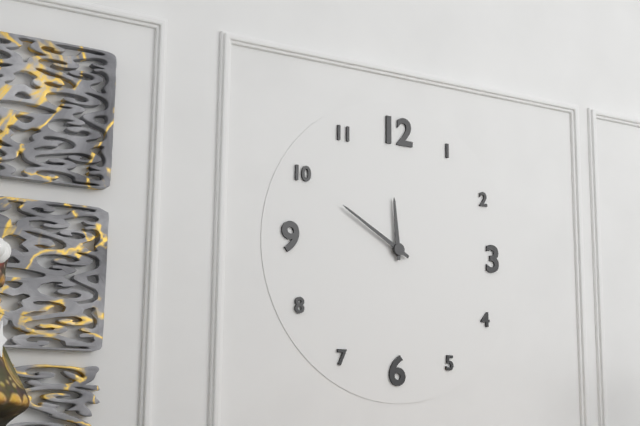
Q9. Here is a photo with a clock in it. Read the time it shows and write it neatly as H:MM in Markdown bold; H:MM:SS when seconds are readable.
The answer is **11:50**
